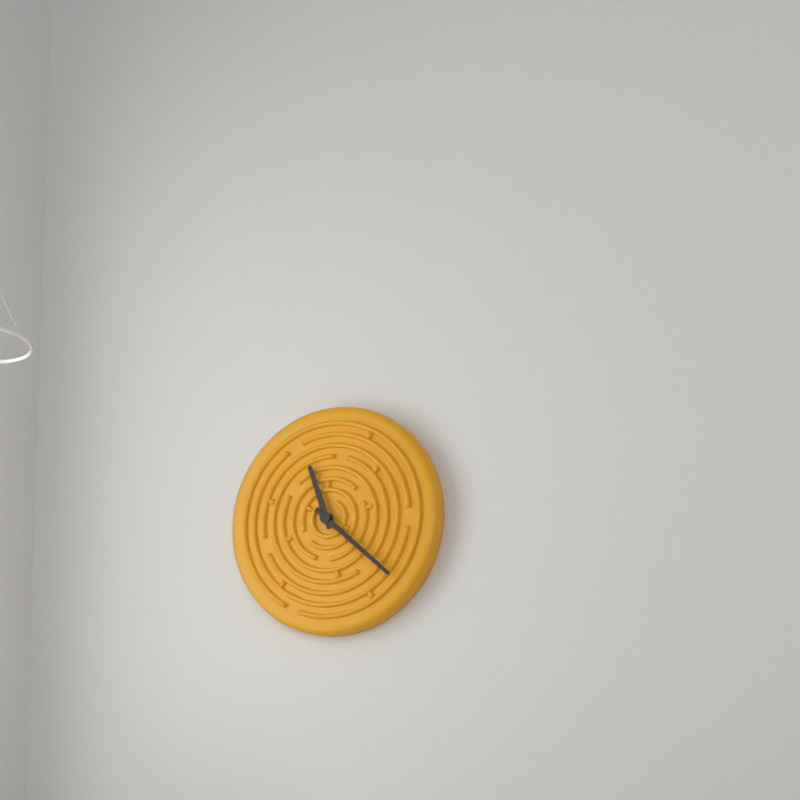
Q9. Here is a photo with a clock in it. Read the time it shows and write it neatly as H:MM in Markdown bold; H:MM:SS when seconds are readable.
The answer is **11:22**
